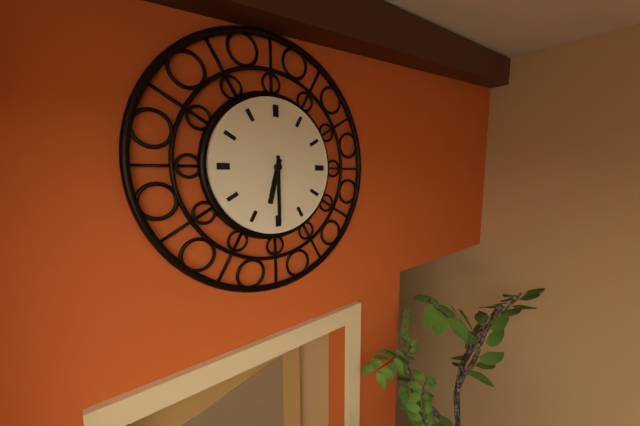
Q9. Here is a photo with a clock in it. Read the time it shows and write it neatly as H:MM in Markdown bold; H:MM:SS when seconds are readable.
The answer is **6:30**
